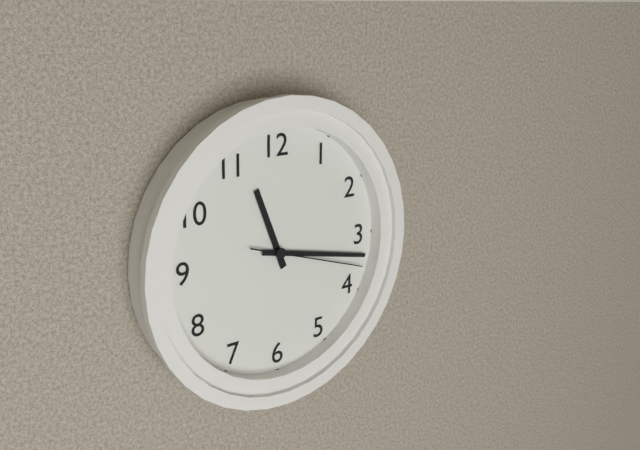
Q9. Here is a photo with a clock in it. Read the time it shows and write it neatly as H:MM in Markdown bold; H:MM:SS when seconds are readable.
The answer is **11:17:18**
